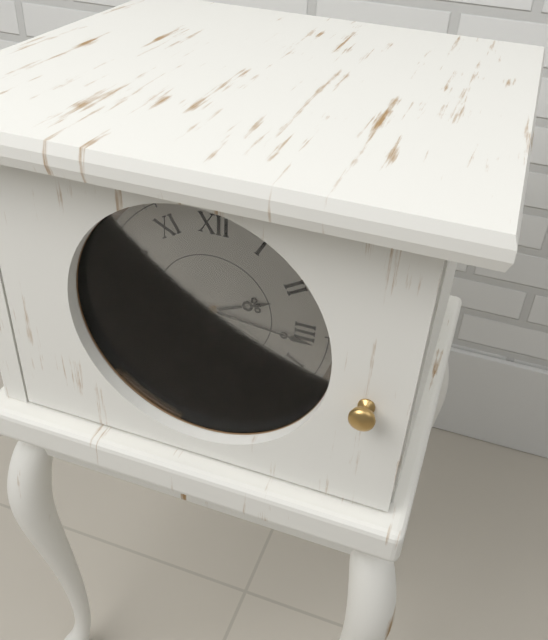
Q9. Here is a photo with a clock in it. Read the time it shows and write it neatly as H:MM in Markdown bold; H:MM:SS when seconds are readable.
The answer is **2:16:19**
